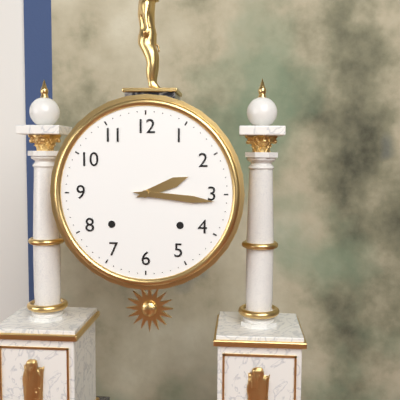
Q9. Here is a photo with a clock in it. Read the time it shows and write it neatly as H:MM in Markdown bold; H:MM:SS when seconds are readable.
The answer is **2:16**
